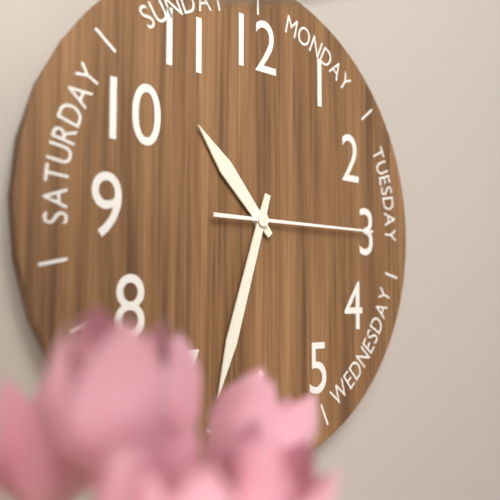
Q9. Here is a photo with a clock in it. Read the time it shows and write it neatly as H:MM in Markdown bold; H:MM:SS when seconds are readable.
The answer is **10:33:15**
